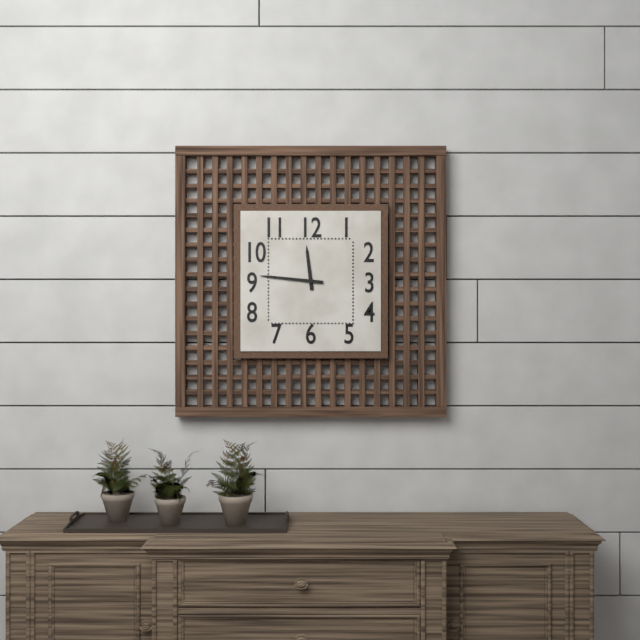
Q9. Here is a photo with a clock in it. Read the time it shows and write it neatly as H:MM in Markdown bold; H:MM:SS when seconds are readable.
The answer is **11:46**
